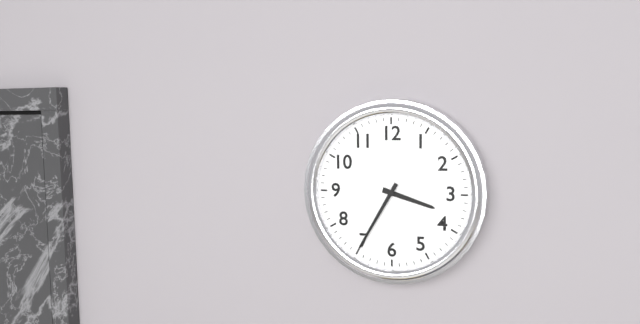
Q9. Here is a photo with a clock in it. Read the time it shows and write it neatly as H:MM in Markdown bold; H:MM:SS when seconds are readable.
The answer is **3:35**
